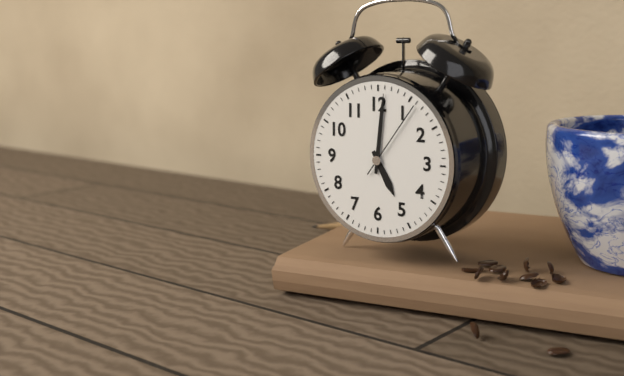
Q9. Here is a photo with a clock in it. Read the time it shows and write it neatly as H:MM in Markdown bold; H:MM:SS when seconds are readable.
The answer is **5:01:06**
